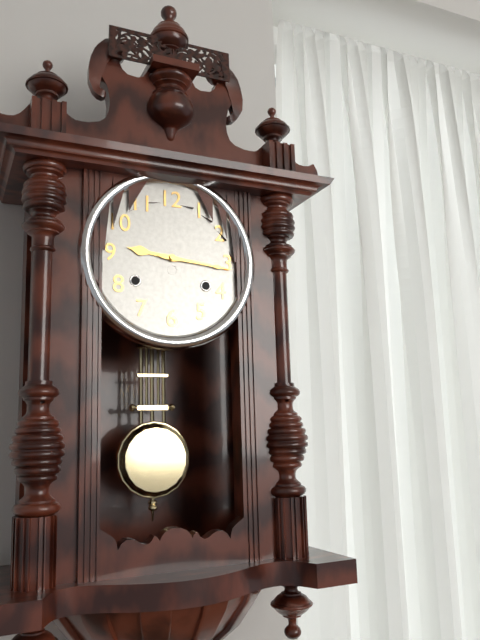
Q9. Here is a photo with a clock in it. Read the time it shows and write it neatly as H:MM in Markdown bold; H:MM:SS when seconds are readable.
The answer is **9:16**
